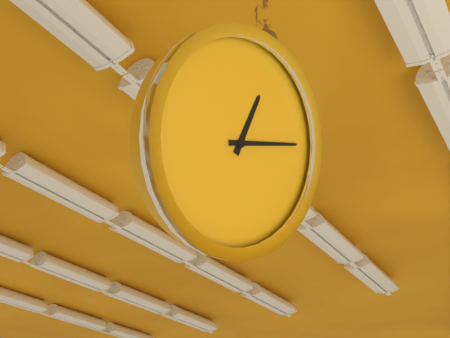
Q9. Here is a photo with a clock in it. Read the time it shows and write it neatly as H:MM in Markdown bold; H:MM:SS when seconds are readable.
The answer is **12:11**
